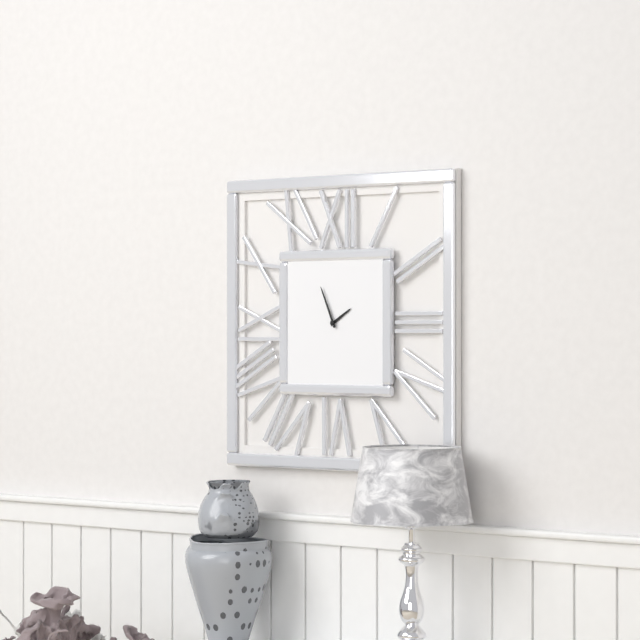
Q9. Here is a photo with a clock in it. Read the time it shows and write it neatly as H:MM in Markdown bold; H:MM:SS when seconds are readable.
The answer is **1:56**
